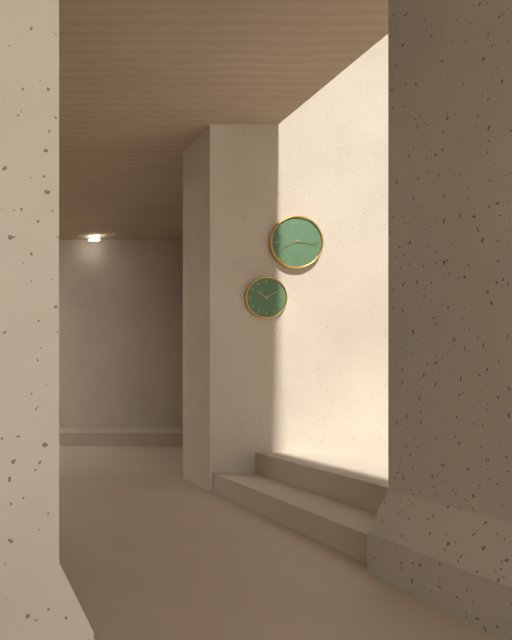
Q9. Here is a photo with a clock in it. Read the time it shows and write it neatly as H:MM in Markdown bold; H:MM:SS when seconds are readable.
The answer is **8:16**
